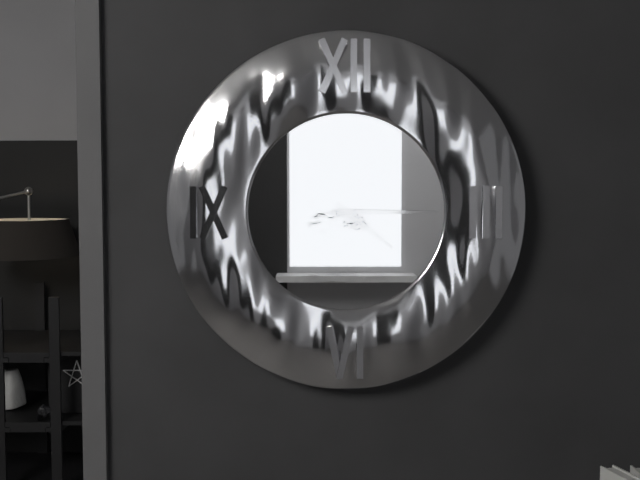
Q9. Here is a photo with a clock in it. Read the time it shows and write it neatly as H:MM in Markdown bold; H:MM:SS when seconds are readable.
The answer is **4:15**
